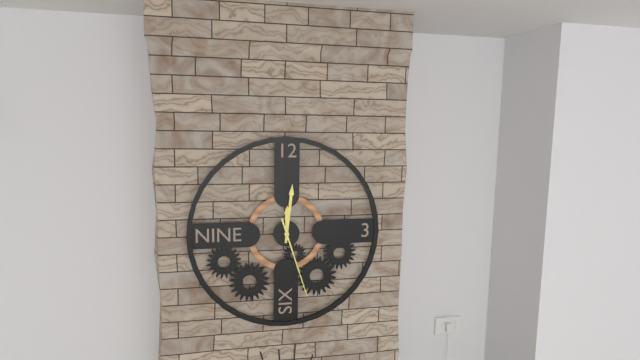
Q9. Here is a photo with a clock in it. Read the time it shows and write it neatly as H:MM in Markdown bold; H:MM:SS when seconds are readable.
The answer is **12:01:27**
